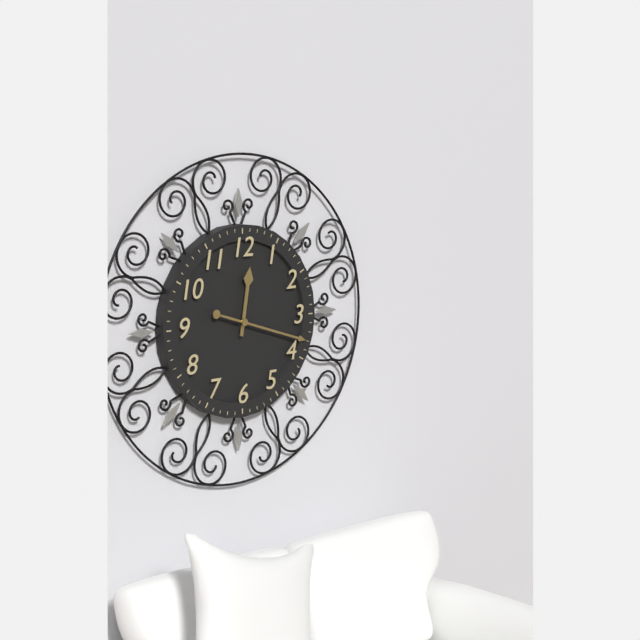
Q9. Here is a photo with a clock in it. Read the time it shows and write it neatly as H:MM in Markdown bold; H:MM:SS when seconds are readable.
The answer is **12:18**
